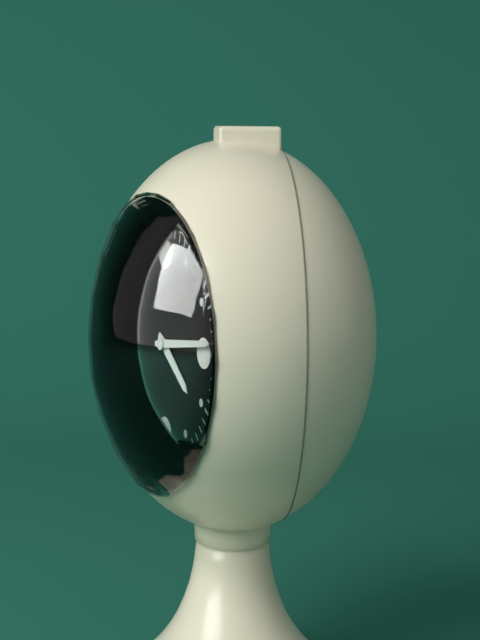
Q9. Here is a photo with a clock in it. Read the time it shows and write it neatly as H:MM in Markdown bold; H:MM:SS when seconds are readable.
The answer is **4:14**
